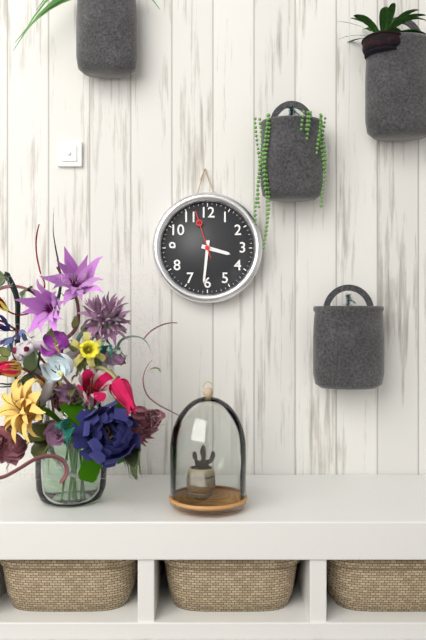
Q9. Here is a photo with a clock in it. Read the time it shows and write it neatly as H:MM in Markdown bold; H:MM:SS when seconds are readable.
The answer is **3:31:57**
